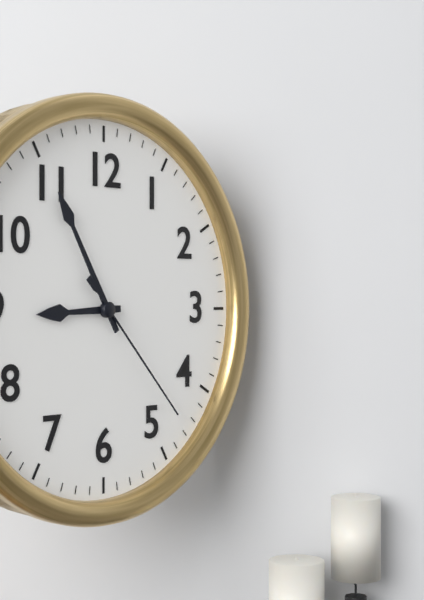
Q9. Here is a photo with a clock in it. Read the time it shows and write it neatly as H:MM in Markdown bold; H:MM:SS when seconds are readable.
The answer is **8:55:23**
